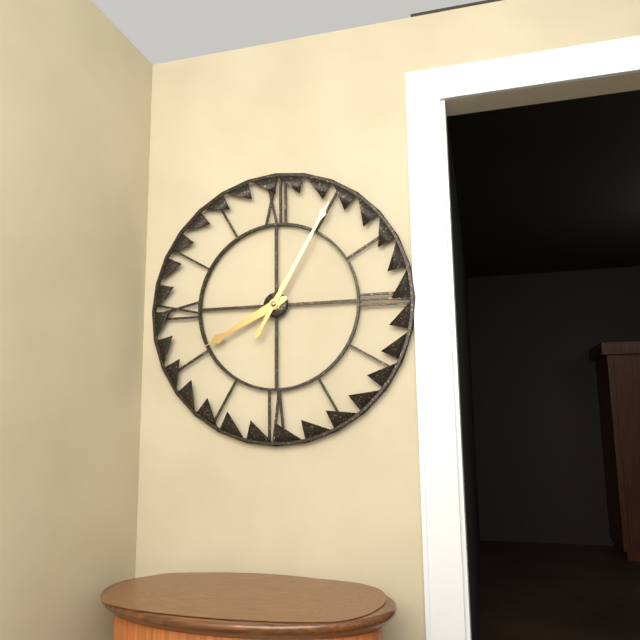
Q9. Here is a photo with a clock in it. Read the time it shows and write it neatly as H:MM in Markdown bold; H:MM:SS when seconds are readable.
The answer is **8:05**
